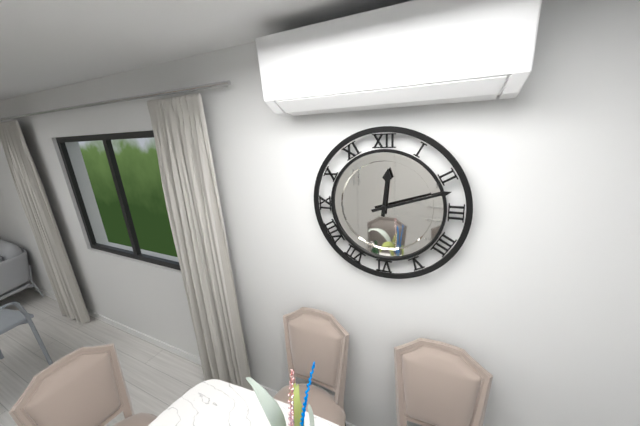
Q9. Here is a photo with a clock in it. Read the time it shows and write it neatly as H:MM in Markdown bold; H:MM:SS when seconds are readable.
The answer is **12:12**
